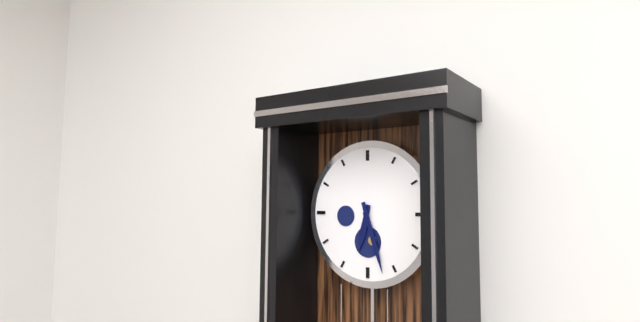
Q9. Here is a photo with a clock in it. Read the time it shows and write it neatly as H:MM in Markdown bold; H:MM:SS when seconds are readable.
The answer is **6:27**
